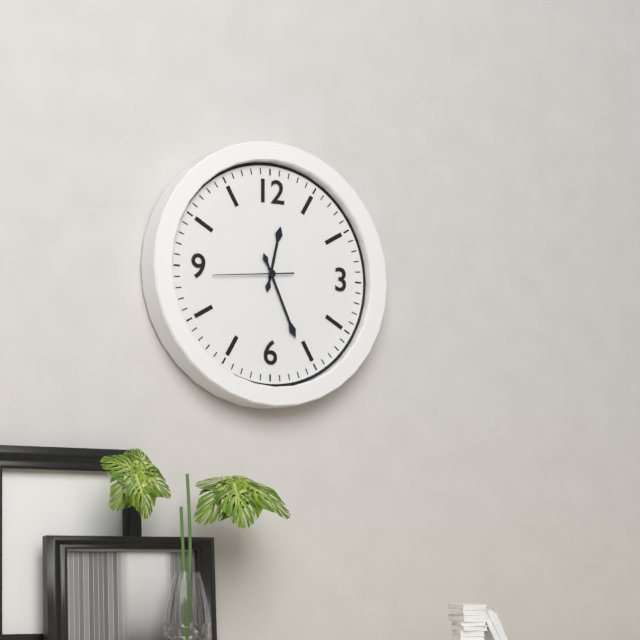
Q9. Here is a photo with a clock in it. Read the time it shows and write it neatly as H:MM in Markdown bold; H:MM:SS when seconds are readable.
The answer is **12:26:44**
